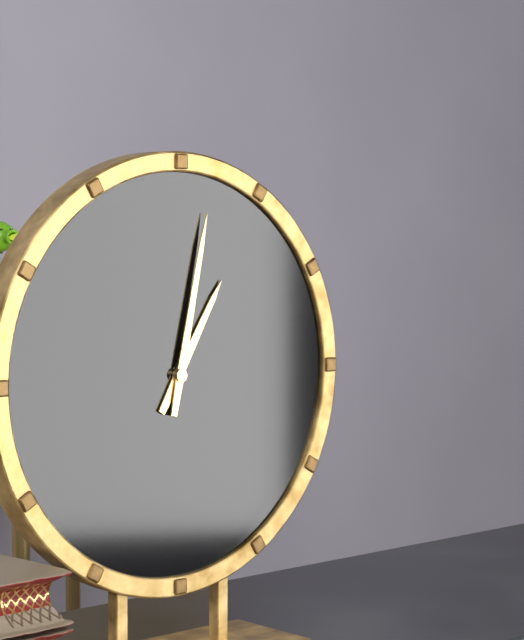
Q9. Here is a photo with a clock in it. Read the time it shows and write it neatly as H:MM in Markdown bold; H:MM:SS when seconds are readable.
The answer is **1:02**
